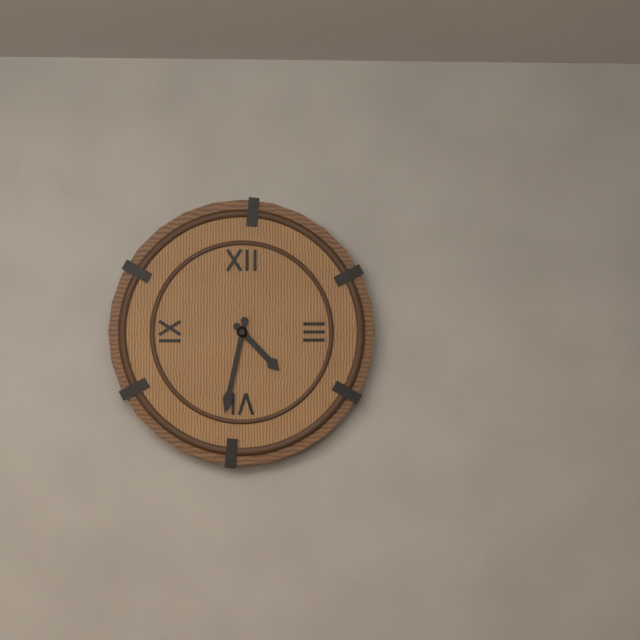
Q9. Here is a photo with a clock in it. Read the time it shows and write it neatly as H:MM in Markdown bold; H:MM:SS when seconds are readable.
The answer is **4:32**
